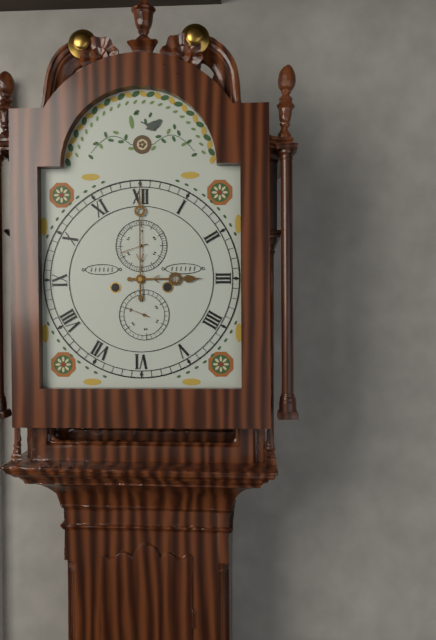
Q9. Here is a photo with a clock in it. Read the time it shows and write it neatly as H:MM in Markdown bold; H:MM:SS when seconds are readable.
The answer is **3:00**
